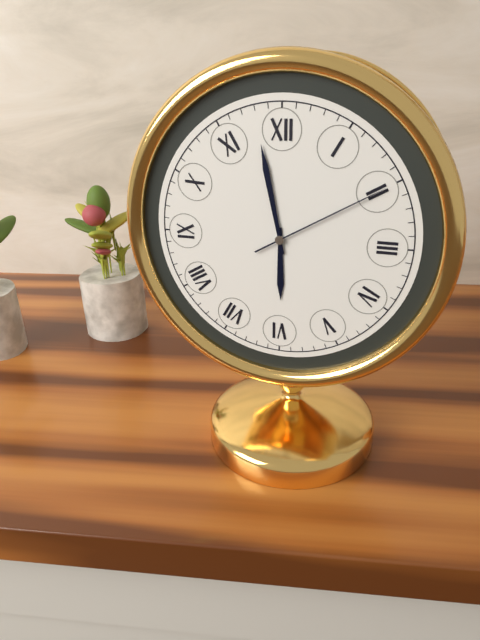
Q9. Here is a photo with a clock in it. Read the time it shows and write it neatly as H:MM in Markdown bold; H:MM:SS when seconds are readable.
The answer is **5:58:10**
